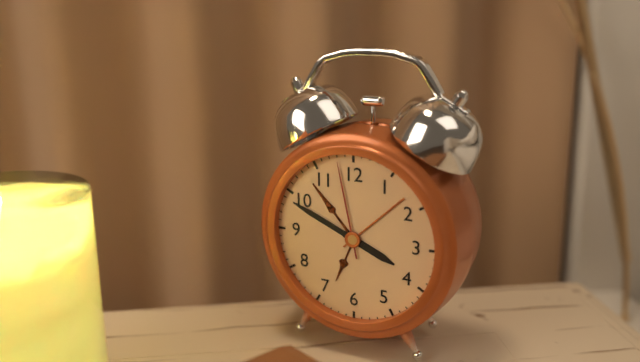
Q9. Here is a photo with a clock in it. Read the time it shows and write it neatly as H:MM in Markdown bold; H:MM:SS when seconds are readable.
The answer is **3:49:58**
